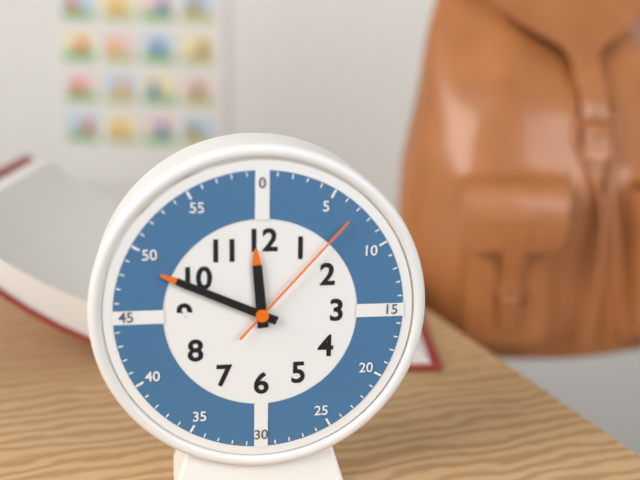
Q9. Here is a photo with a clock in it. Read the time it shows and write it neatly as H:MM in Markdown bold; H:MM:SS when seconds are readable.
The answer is **11:49:07**
